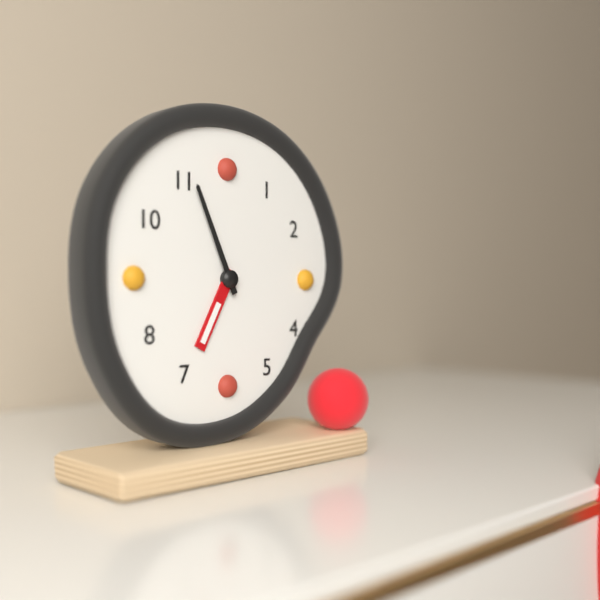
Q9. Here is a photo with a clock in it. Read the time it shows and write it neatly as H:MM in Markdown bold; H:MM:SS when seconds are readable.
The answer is **6:56**
